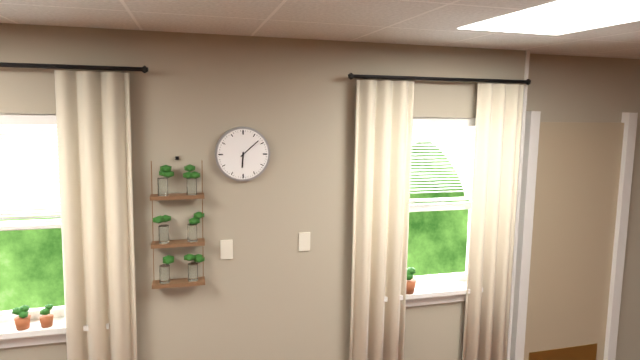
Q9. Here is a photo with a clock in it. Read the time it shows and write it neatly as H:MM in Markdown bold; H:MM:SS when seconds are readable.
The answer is **6:08**
